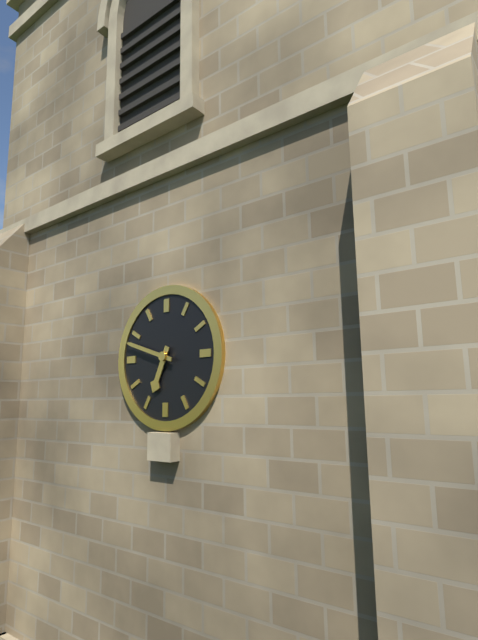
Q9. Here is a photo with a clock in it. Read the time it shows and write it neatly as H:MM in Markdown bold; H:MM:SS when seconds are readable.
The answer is **6:48**
